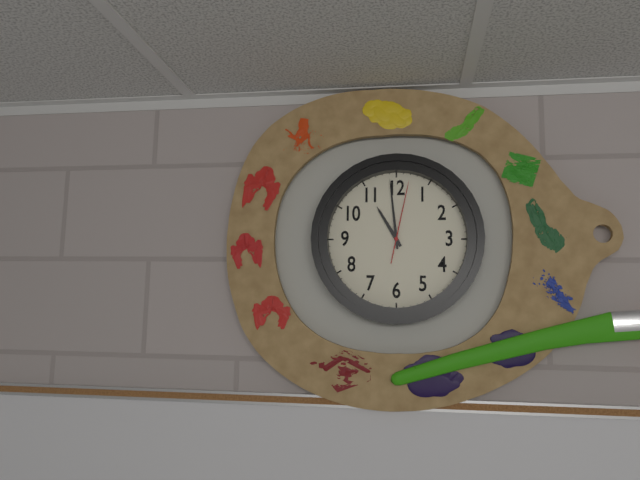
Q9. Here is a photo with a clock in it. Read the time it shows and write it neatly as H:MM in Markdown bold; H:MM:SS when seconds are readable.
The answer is **10:59:02**
